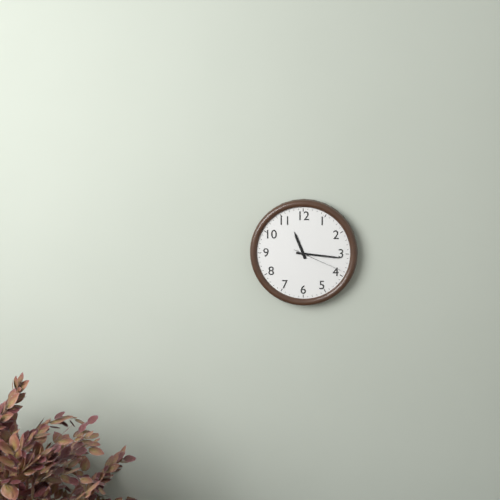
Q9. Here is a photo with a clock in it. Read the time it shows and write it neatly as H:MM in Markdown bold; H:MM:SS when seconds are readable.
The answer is **11:16:19**
